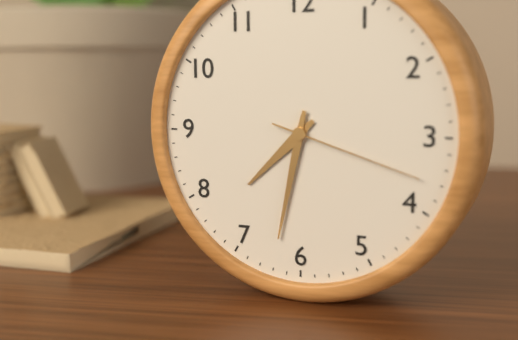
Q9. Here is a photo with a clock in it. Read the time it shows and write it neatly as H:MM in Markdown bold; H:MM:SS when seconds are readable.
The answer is **7:32:18**
